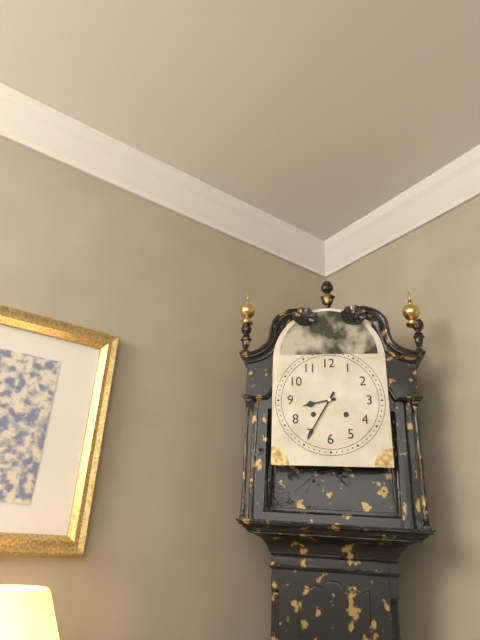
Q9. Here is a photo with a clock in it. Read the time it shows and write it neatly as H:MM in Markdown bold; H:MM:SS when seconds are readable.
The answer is **8:35**
